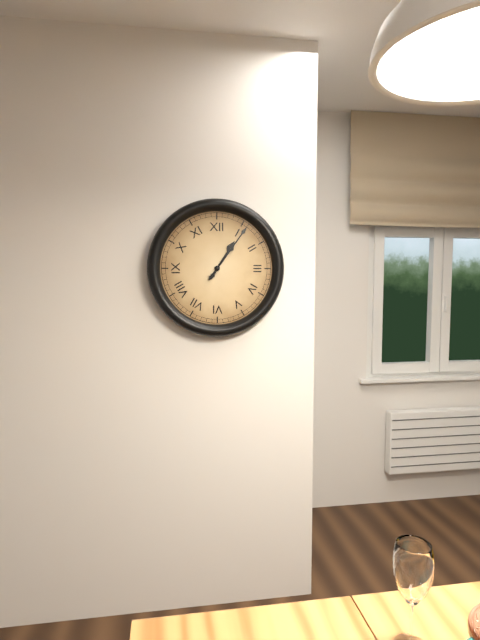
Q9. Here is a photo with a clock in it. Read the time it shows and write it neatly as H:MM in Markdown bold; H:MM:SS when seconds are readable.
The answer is **1:06**
